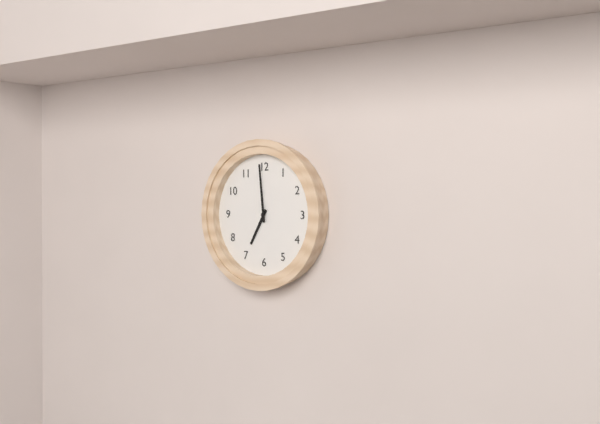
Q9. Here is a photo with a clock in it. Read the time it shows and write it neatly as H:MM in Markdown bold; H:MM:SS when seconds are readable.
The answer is **6:59**
